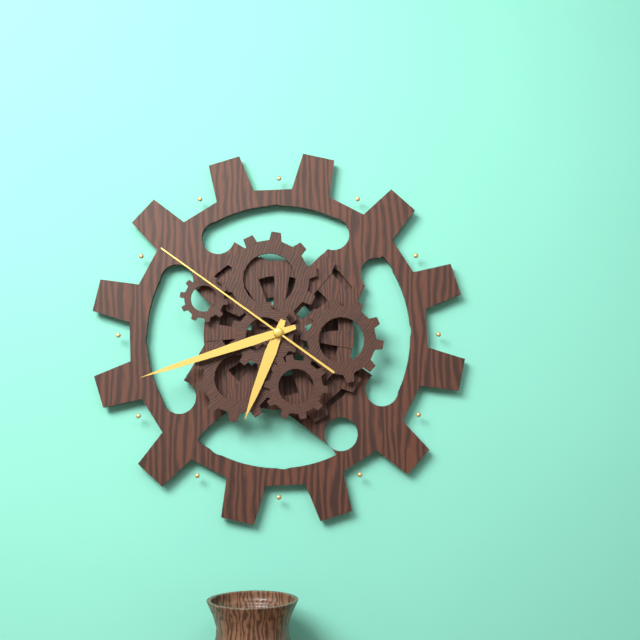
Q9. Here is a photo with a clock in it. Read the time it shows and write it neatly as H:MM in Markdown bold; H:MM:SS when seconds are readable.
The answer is **6:42:51**
